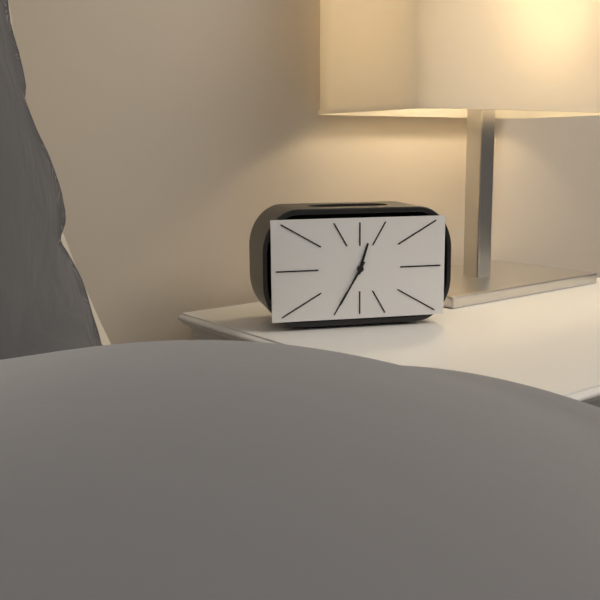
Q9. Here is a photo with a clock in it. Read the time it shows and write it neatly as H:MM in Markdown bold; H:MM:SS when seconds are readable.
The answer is **12:35**
